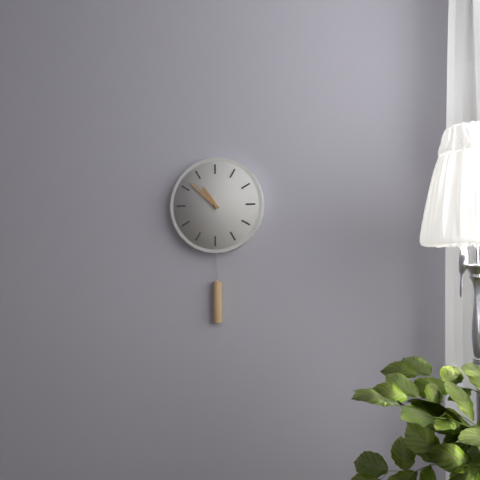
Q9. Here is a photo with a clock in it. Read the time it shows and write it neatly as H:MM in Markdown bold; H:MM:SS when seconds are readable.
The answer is **10:52**
